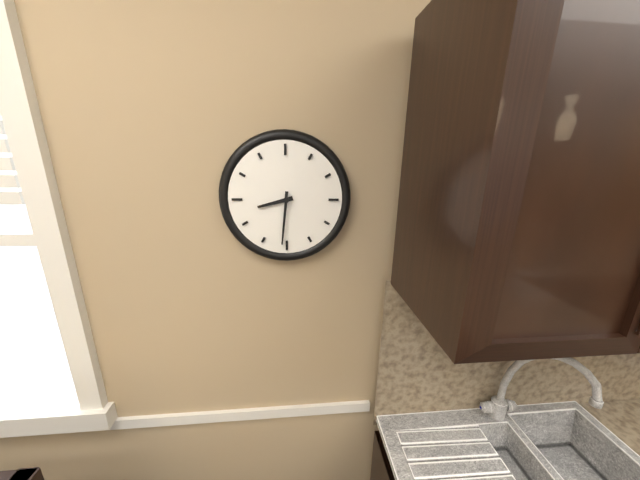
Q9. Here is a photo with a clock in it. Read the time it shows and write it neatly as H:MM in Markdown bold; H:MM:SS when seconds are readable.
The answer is **8:31**
